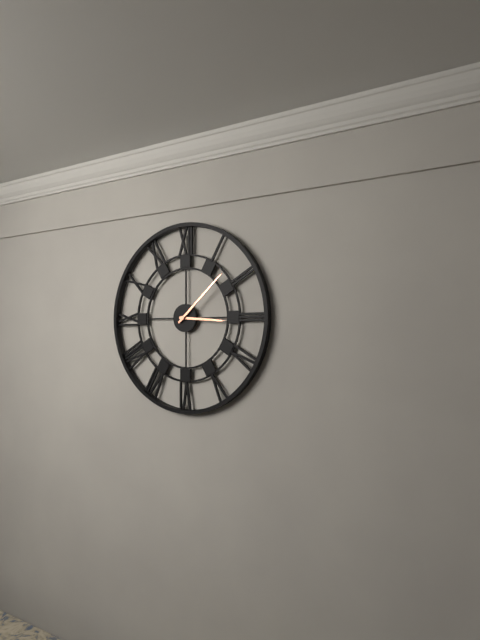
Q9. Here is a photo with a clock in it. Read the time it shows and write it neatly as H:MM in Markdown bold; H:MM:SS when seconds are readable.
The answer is **3:08**
